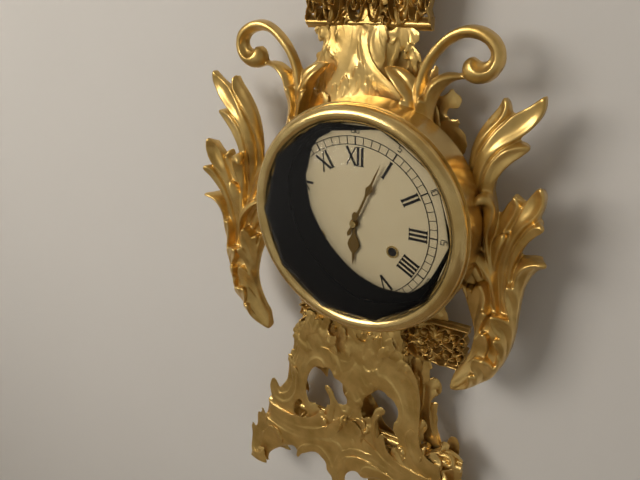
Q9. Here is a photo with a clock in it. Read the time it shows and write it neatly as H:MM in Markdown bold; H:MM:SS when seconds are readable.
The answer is **6:04**
